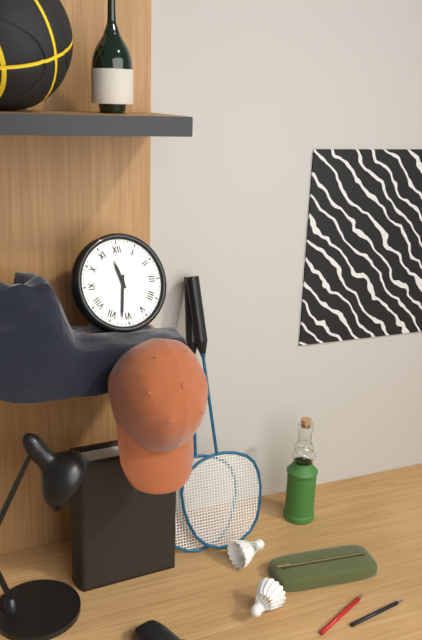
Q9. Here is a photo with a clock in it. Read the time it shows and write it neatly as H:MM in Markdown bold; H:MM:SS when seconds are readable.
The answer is **11:32**
